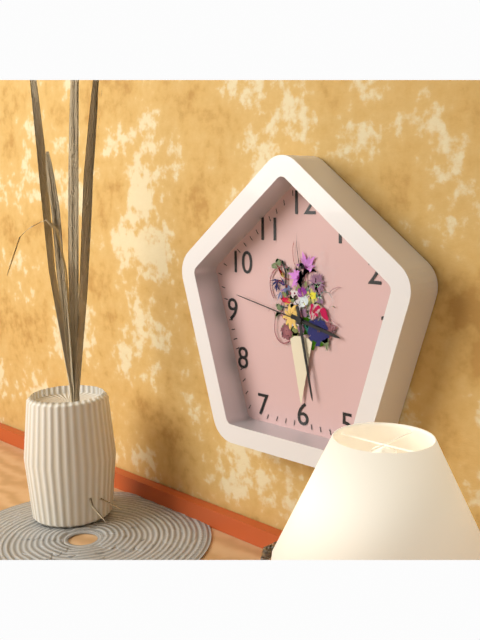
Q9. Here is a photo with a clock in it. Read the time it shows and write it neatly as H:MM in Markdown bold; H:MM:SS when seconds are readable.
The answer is **3:28:47**
